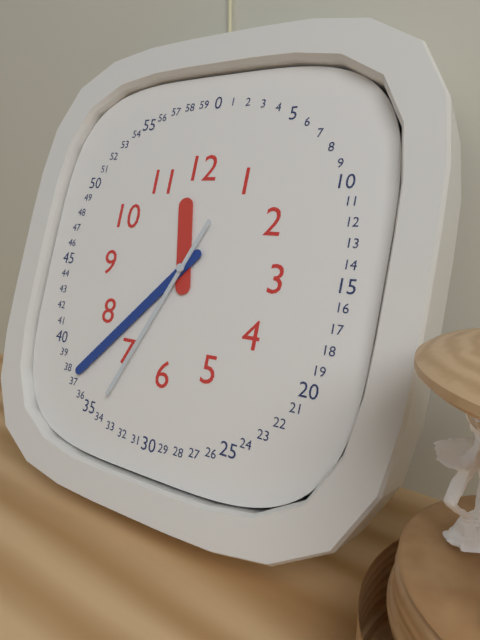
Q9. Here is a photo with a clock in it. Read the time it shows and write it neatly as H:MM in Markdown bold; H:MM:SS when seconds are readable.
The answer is **11:37:34**
